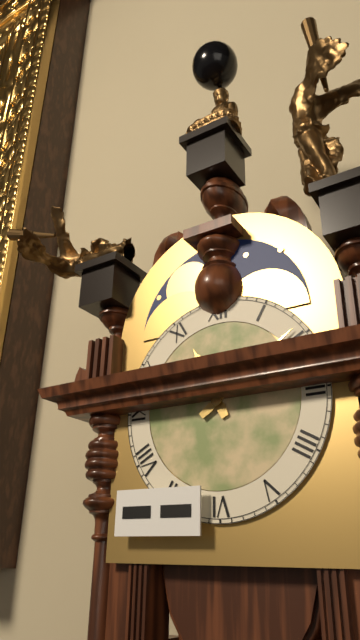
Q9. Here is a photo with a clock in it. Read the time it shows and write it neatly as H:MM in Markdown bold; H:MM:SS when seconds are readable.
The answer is **11:09**
